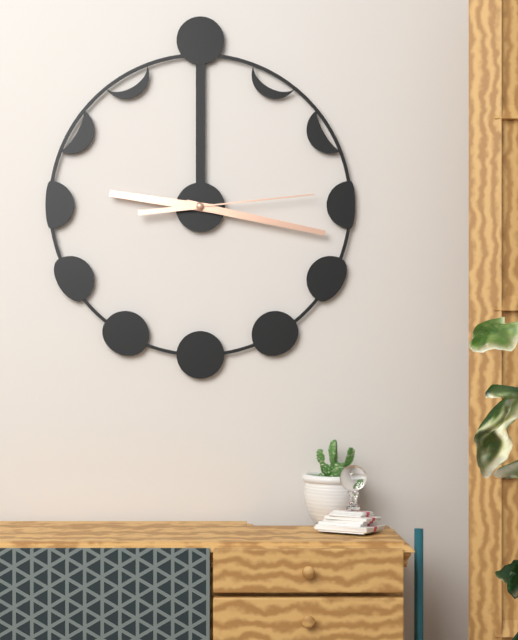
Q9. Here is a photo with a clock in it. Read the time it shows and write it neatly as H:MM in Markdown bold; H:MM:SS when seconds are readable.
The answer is **9:17:14**
